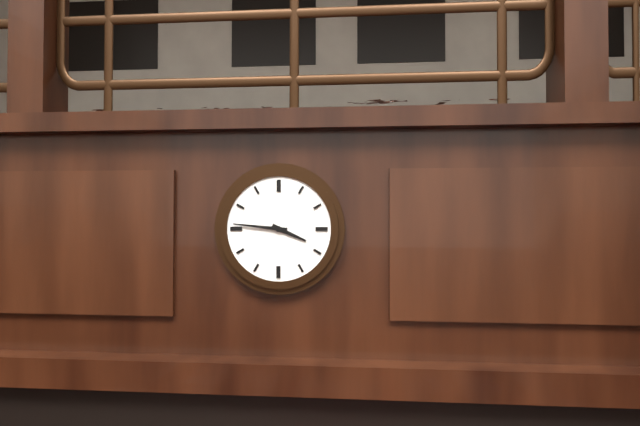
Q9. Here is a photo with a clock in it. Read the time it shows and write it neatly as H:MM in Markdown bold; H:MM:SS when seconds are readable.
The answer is **3:46**
